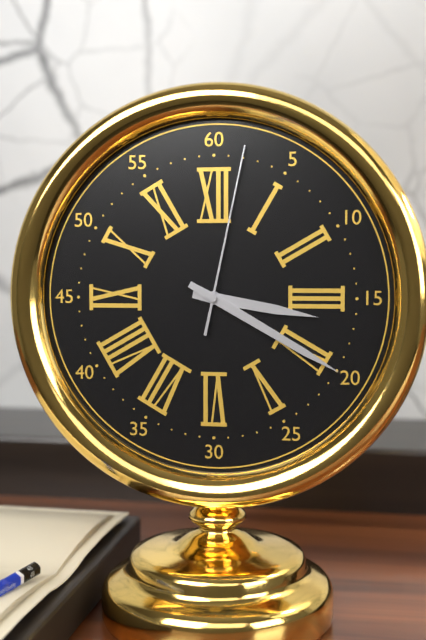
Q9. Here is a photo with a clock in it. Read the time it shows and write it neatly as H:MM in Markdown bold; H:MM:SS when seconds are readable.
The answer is **3:20:02**
